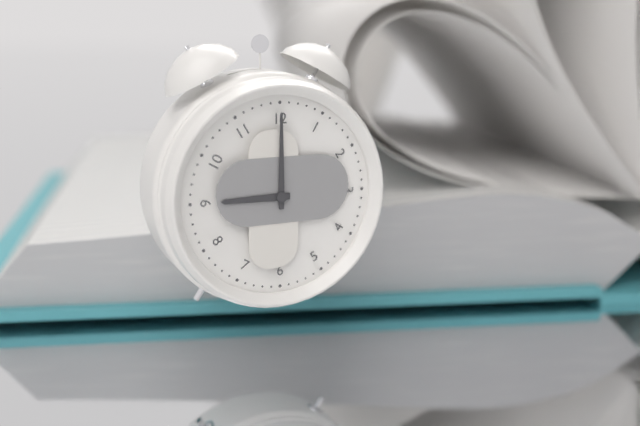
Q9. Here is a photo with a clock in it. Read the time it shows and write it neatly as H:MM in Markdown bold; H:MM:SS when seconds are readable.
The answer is **9:00**
